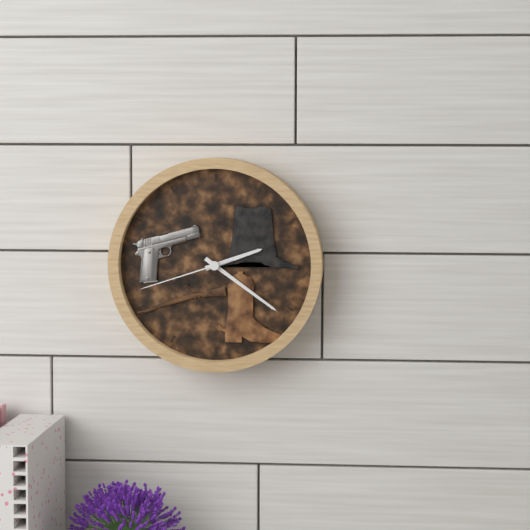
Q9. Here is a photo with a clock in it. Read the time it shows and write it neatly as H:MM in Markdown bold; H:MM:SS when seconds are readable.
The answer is **2:21:42**
